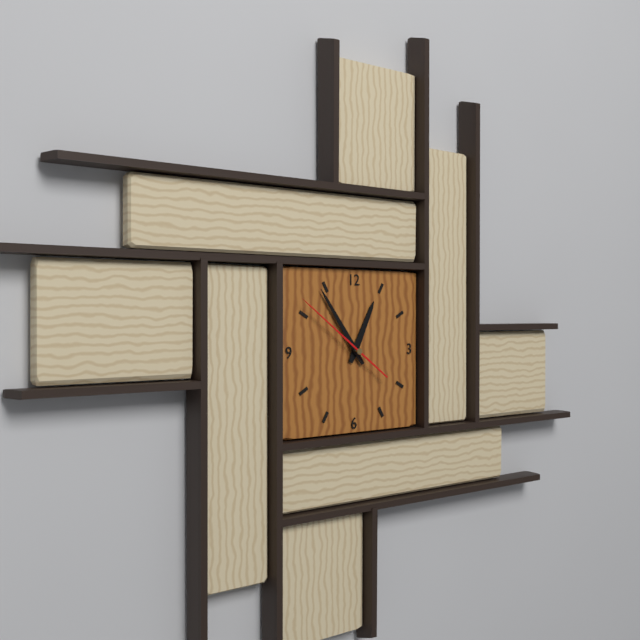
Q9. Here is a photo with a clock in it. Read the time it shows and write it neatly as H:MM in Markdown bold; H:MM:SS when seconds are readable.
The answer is **12:54:51**
